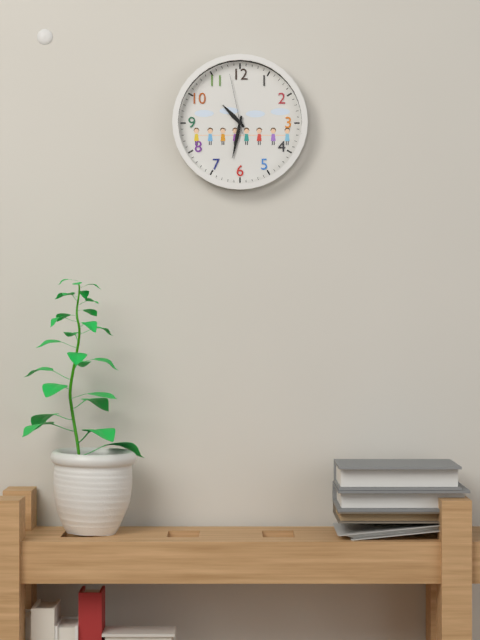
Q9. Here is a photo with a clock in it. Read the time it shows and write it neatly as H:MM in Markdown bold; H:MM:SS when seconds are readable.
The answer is **10:32:58**
